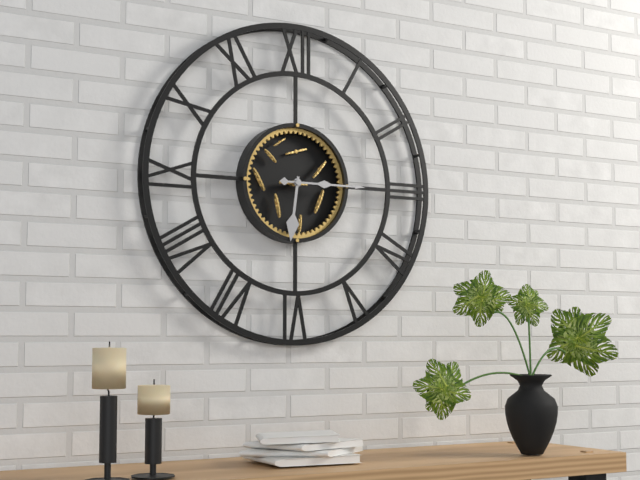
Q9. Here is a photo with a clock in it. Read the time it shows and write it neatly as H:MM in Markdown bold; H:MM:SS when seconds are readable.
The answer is **6:15**
